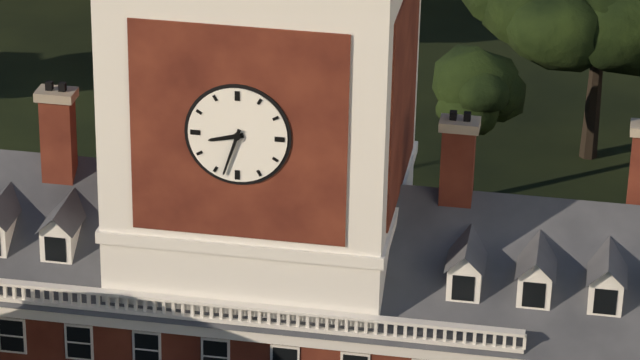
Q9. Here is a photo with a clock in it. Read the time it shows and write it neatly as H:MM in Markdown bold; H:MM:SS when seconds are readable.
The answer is **8:33**
